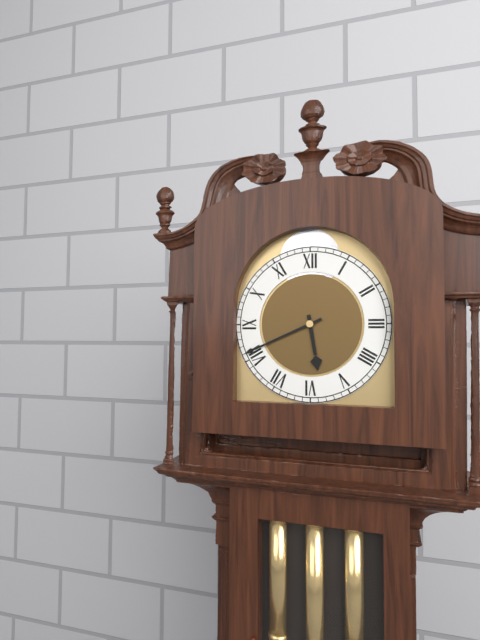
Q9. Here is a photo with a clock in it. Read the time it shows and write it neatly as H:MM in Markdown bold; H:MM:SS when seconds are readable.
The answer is **5:41**
